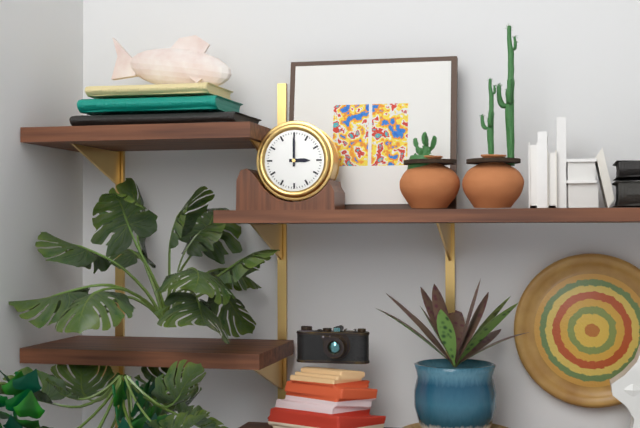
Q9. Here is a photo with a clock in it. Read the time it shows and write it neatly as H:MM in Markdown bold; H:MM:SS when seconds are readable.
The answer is **3:00**
